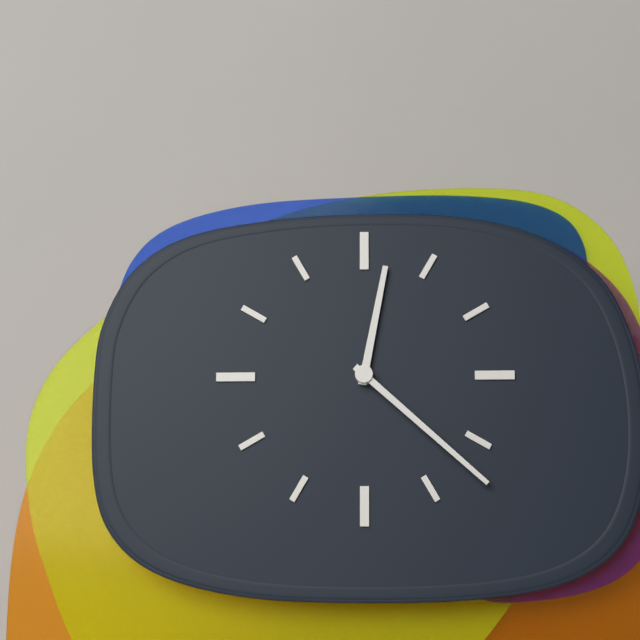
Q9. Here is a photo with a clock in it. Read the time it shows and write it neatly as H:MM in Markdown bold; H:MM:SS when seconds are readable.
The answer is **12:22**
